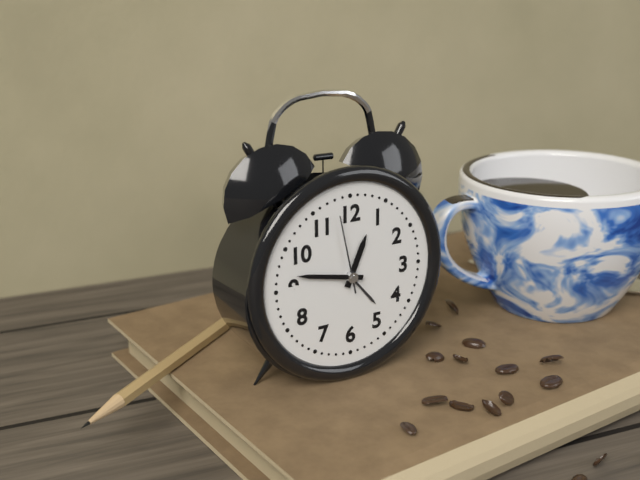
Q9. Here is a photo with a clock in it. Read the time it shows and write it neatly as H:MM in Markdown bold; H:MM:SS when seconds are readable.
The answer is **12:47:58**
